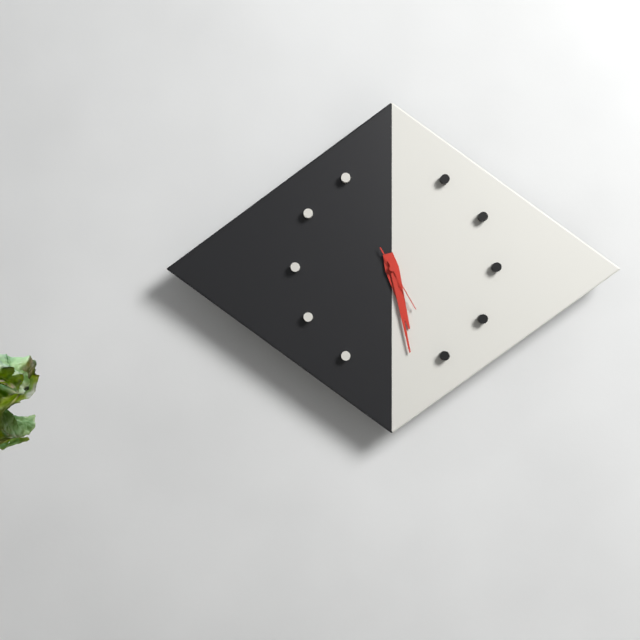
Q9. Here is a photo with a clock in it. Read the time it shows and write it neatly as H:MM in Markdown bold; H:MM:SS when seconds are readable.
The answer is **5:28:25**
